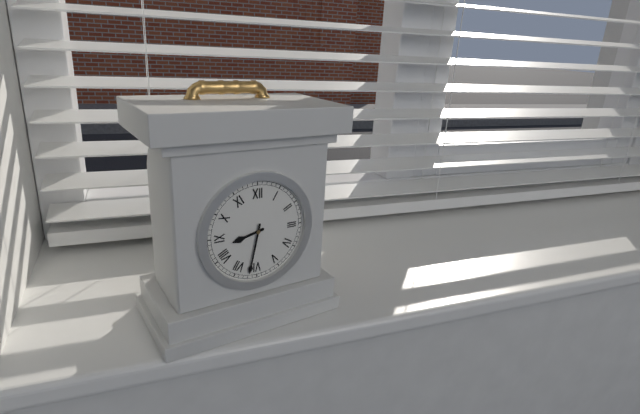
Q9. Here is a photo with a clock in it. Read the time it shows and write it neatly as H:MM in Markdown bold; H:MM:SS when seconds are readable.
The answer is **8:32**
